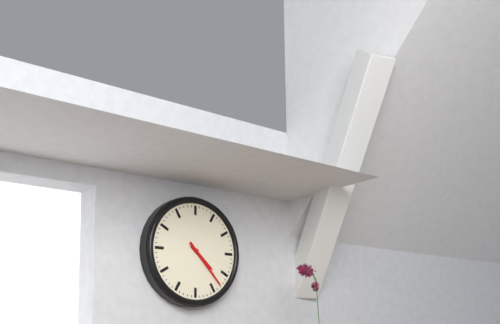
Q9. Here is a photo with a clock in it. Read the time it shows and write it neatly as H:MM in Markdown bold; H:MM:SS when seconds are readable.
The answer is **4:23**
